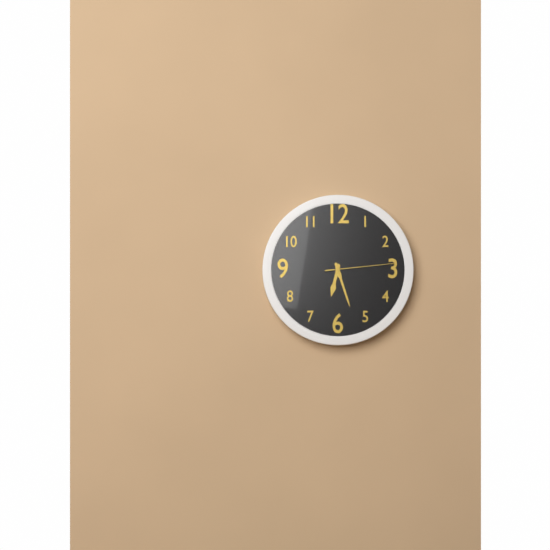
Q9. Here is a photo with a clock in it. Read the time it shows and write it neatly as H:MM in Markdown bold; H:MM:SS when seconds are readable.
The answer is **6:27:14**
